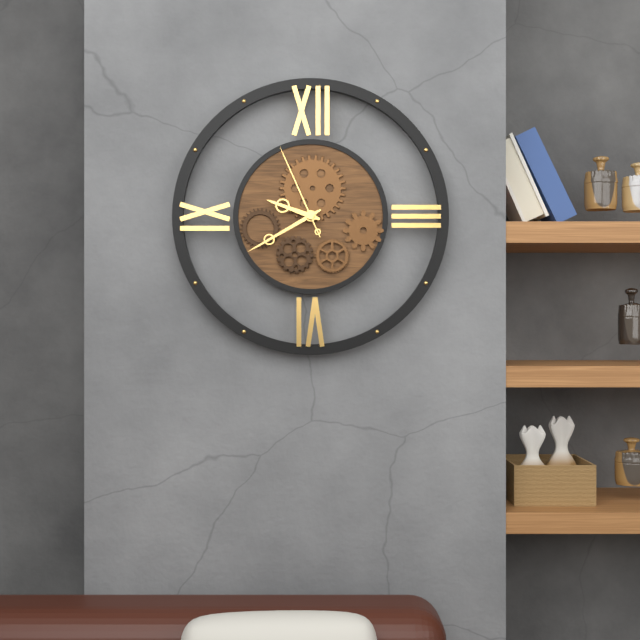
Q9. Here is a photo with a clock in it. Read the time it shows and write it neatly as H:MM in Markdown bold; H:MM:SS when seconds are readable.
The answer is **9:40:56**
